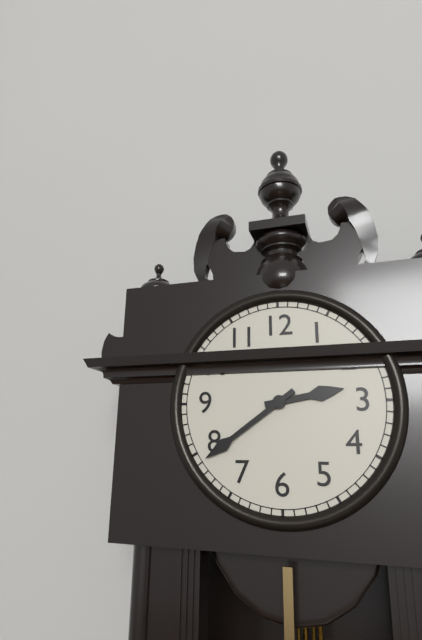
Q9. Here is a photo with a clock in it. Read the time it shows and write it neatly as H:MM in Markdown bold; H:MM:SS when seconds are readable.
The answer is **2:39**
